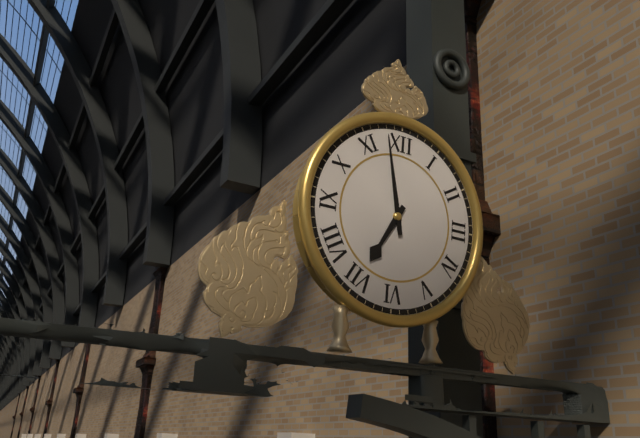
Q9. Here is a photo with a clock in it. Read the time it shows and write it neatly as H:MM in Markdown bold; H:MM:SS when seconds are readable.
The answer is **6:58**
